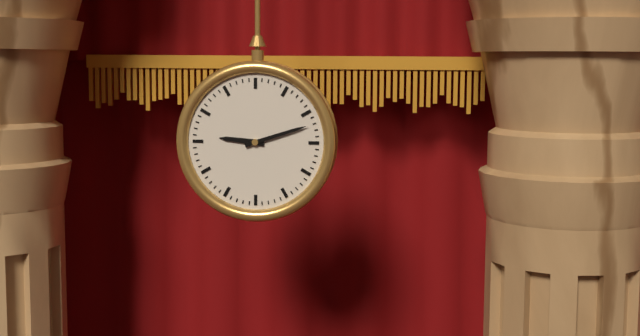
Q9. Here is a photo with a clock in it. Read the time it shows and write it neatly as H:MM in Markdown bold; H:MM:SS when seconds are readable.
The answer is **9:12**
